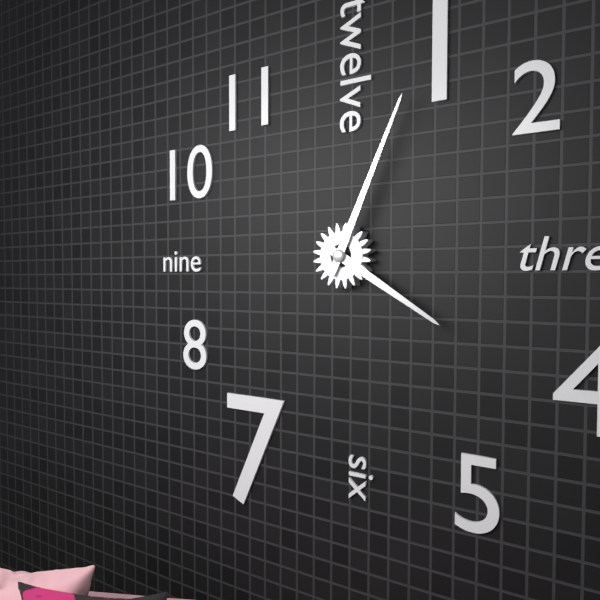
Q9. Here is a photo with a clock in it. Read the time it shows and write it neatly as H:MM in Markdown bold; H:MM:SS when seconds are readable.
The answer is **4:04**
